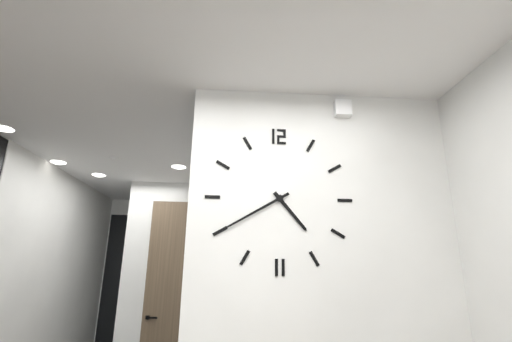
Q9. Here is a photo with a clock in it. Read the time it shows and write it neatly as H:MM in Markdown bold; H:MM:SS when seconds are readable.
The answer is **4:40**
